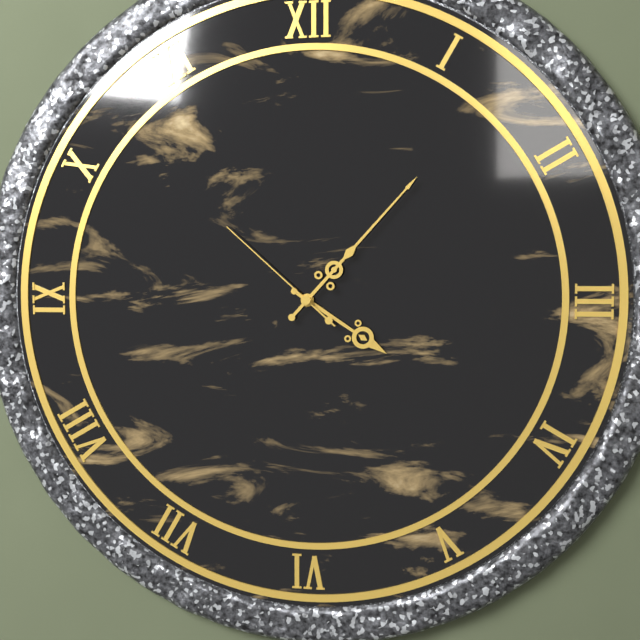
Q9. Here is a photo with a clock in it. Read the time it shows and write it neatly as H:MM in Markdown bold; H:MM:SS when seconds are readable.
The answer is **4:07:52**
